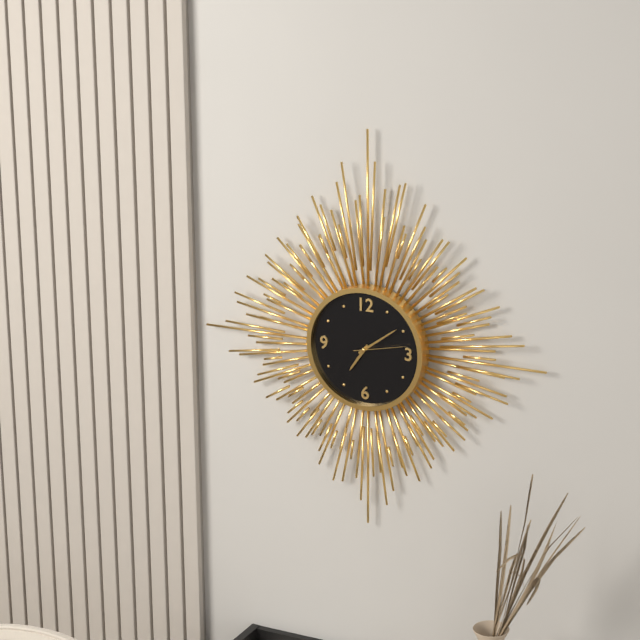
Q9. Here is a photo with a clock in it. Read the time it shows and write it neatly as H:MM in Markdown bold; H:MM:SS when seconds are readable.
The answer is **7:09:13**
